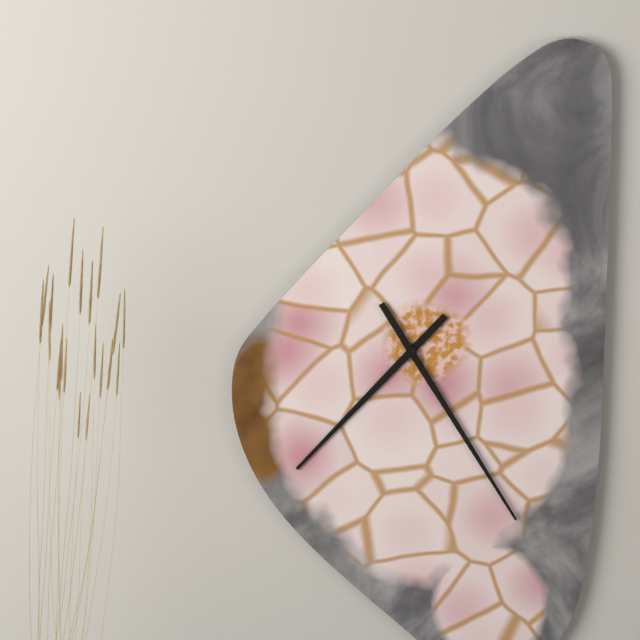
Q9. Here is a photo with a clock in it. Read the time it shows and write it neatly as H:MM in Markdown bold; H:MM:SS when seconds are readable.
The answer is **7:25**
